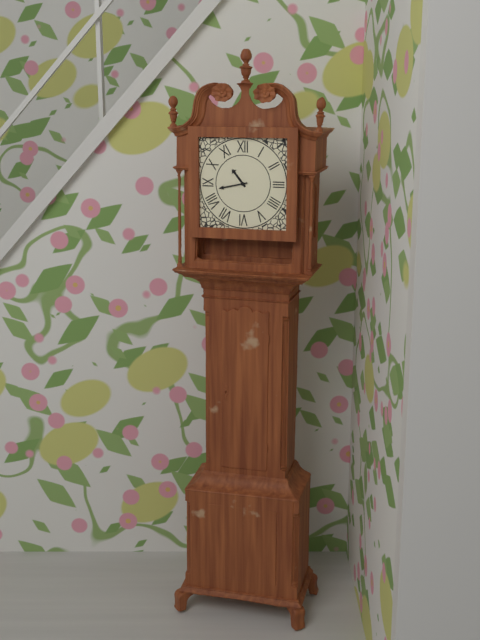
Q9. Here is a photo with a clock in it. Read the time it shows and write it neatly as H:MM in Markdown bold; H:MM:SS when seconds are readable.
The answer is **10:43**
